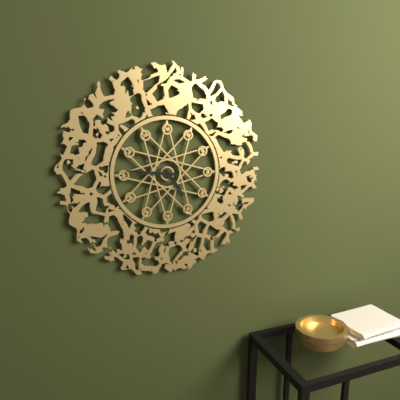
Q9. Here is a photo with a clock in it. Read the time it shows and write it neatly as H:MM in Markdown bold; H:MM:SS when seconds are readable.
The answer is **4:46**
